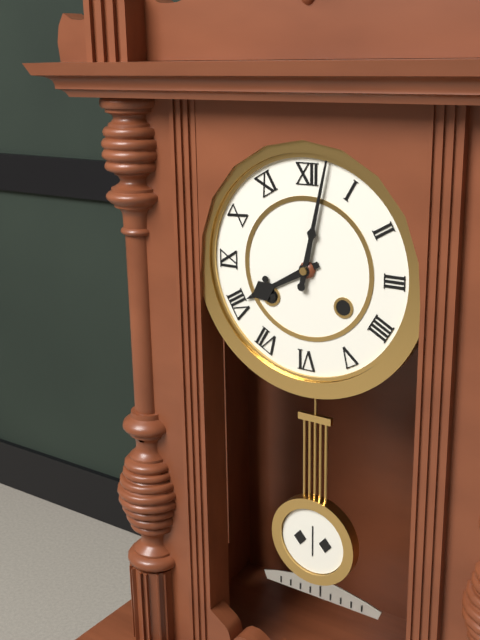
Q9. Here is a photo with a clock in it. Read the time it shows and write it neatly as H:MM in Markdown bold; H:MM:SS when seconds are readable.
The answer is **8:02**
